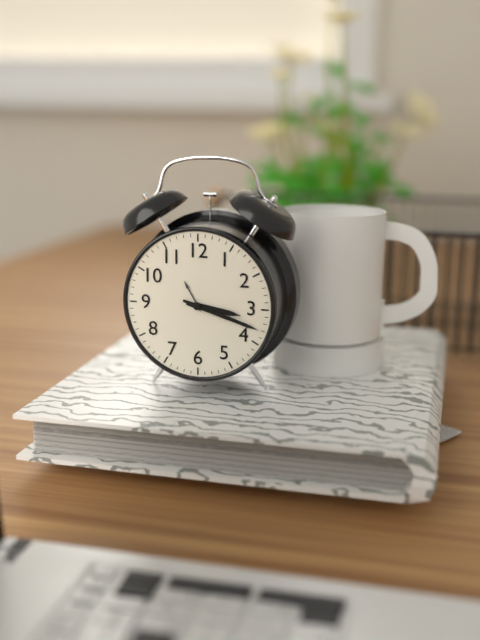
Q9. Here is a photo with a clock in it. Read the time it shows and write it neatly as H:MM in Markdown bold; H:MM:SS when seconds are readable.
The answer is **3:18**
